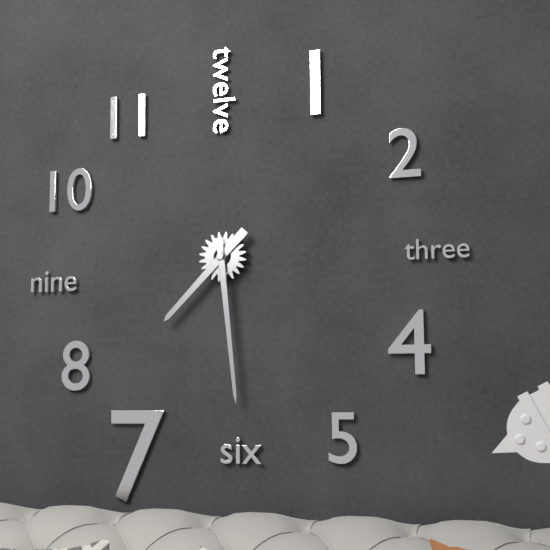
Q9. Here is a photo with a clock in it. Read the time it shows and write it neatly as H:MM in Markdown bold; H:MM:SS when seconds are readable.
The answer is **7:29**
